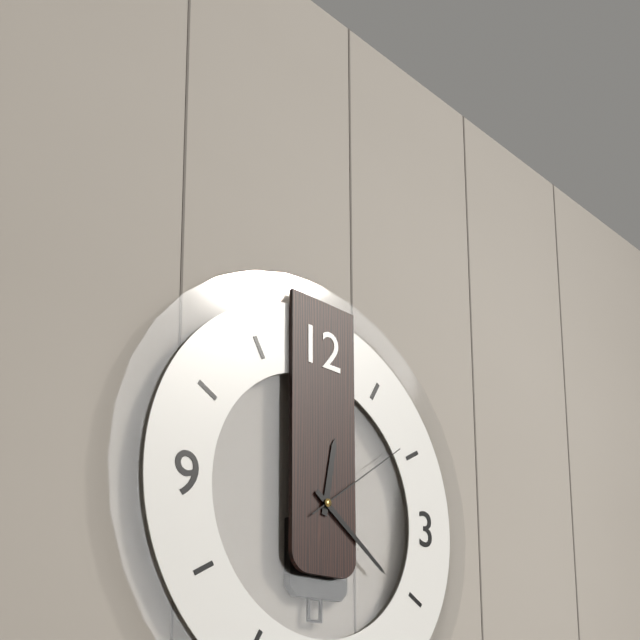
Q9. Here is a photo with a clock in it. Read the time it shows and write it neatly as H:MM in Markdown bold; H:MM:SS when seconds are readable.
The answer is **12:21:09**
